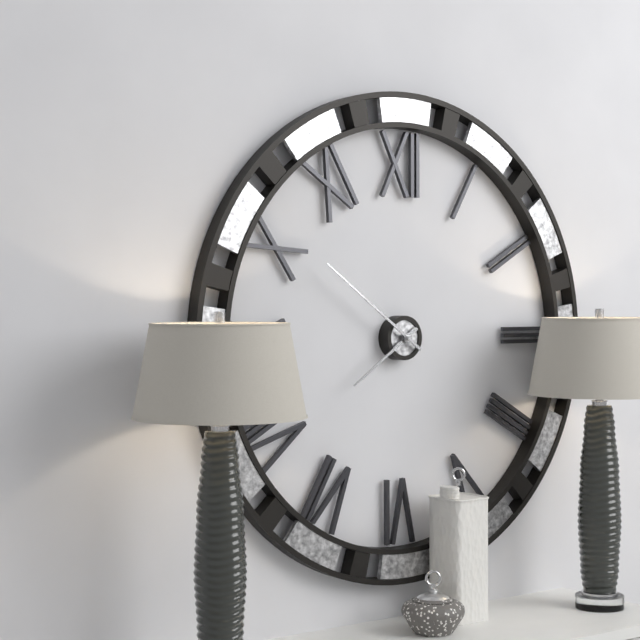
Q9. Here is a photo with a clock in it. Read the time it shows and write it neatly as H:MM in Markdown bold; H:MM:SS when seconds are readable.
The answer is **7:51**
